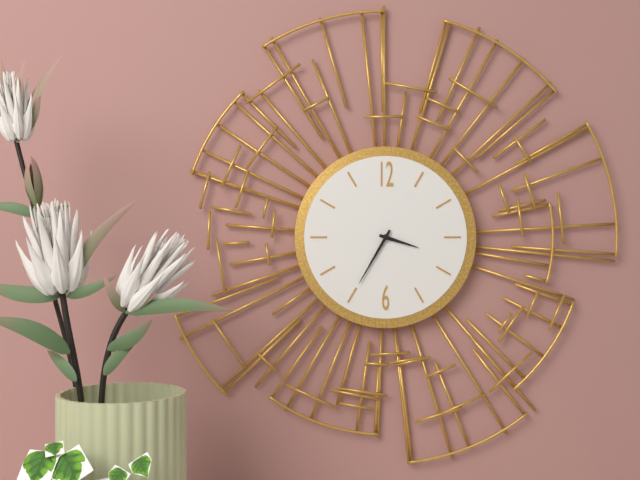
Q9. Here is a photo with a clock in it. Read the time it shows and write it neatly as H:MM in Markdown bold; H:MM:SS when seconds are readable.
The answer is **3:35**
